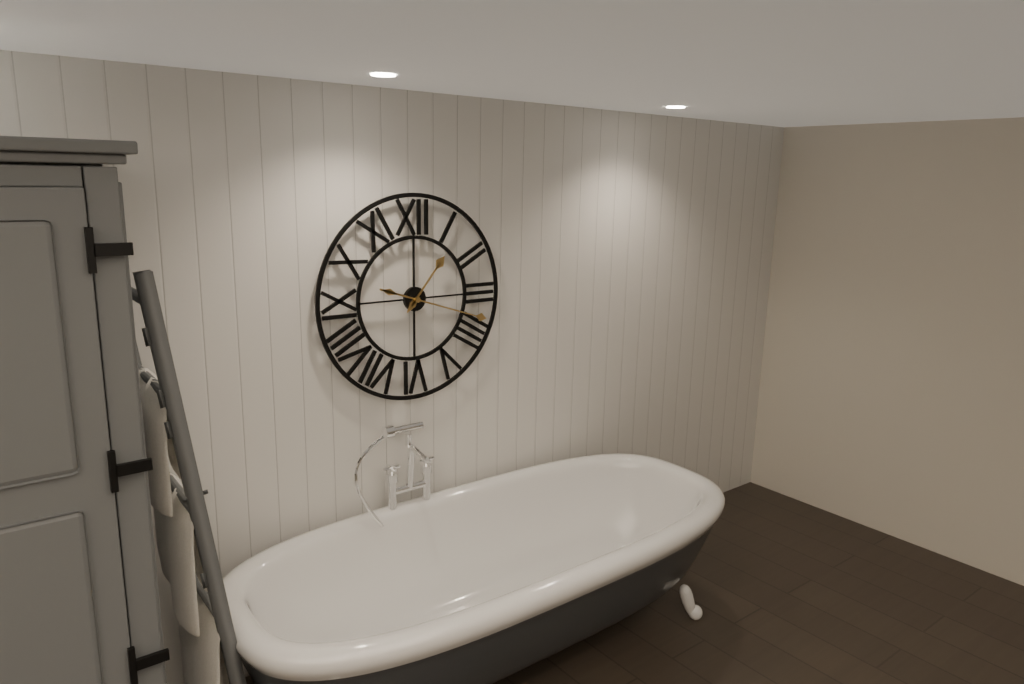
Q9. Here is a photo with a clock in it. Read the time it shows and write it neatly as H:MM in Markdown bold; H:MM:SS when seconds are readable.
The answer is **1:18**
